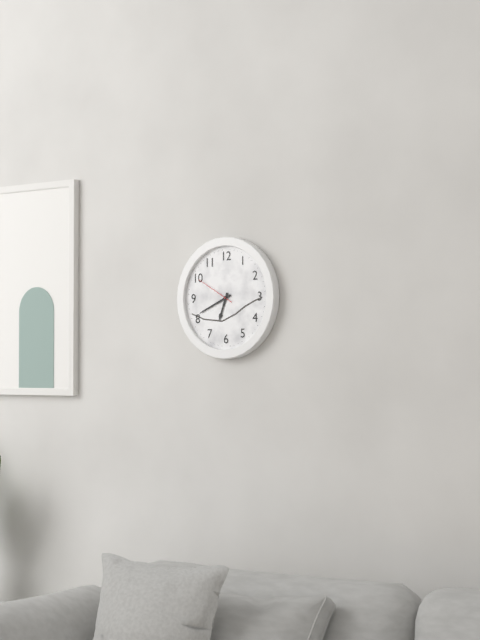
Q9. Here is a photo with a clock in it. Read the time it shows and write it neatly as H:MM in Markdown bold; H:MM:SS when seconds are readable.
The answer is **6:41**
